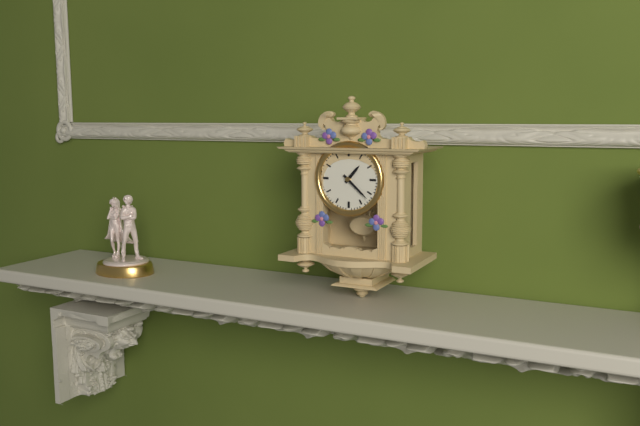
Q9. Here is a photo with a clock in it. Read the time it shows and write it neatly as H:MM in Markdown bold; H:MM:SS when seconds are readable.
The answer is **1:22**
